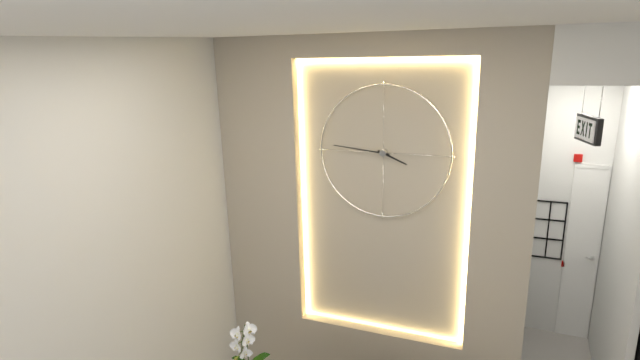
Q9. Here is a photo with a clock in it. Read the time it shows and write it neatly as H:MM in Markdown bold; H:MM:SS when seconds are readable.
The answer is **3:46**
